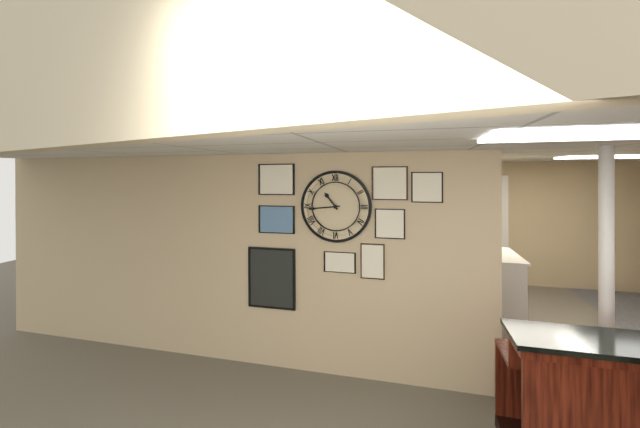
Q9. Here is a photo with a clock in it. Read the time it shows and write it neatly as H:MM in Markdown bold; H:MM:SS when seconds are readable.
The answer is **10:44**
